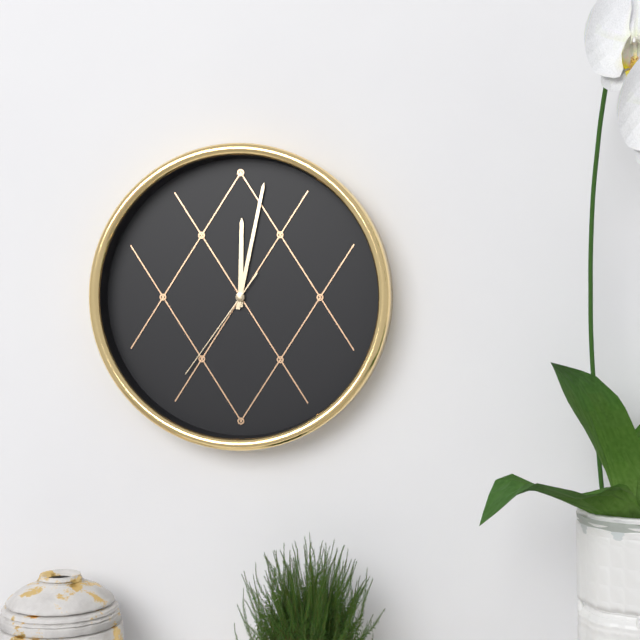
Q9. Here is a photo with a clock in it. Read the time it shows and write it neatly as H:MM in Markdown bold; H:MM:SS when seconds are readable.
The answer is **12:02:36**
